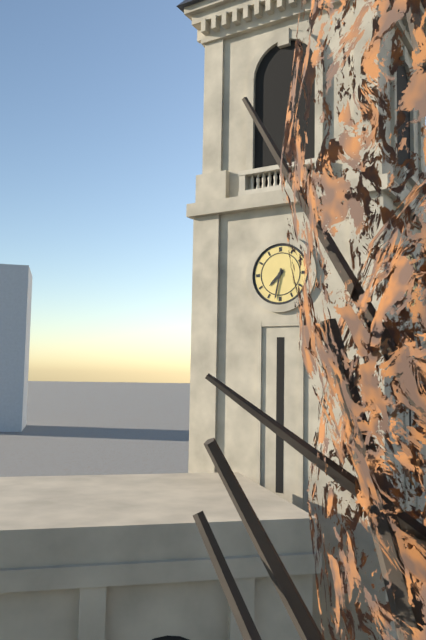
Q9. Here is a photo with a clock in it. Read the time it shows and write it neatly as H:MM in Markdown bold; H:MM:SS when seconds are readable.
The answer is **7:32**
